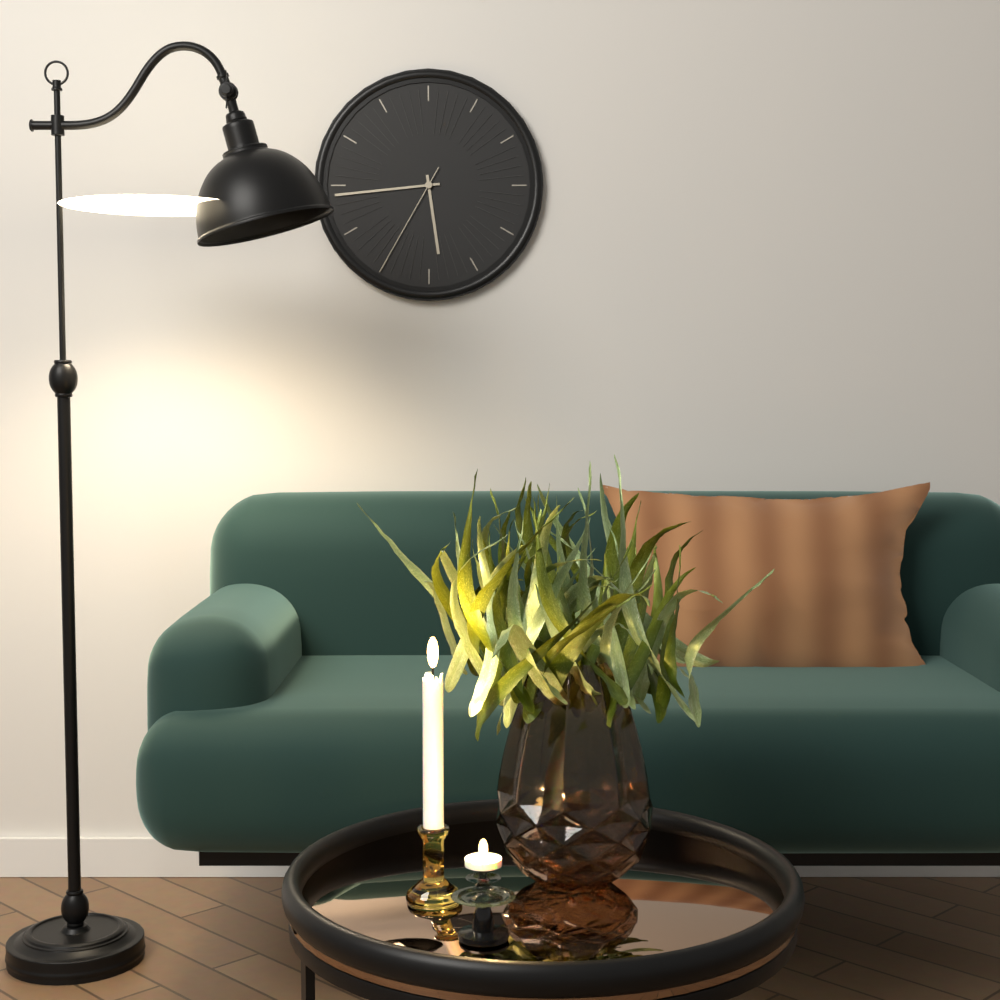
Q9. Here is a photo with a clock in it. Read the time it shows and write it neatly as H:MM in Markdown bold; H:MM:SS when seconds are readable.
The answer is **5:44:35**
